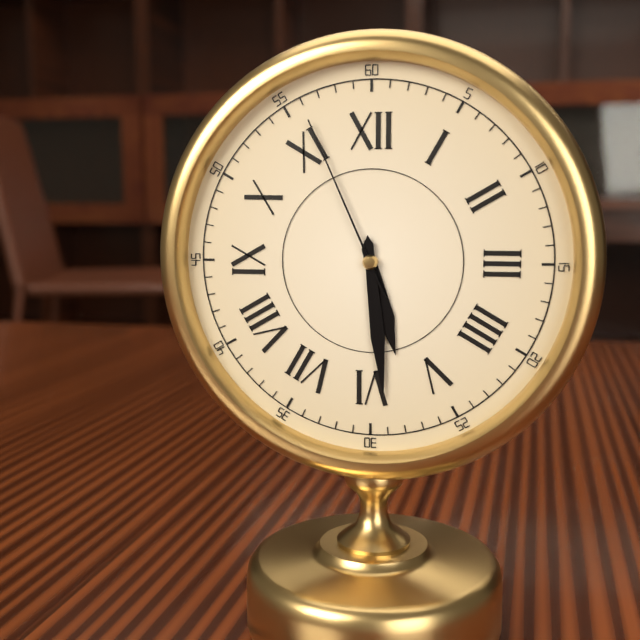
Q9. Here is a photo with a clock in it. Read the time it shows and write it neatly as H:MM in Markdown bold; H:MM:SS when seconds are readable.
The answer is **5:29:56**
